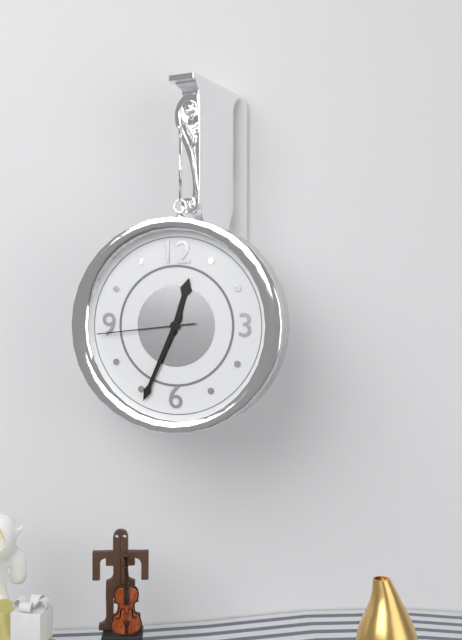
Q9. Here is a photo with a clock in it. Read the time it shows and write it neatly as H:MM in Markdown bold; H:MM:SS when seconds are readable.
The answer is **12:34:44**
